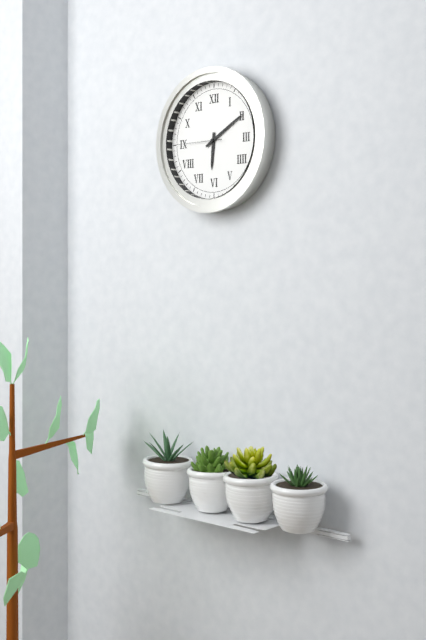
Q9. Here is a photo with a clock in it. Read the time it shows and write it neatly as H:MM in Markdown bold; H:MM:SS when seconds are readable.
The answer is **6:10**
